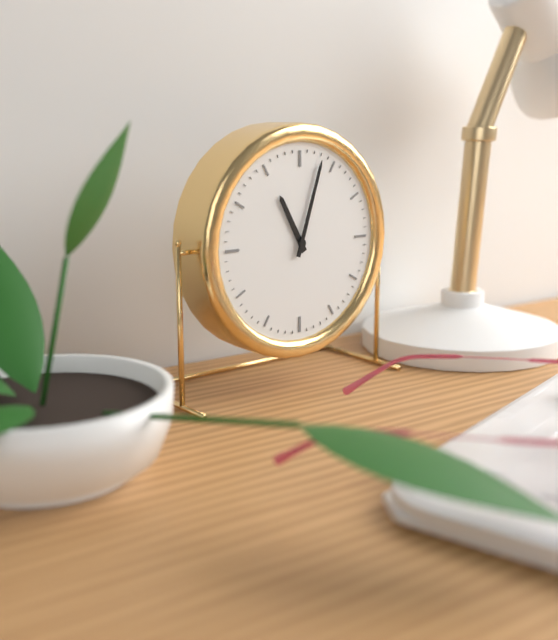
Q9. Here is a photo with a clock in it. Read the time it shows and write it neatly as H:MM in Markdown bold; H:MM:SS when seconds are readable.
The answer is **11:03**
